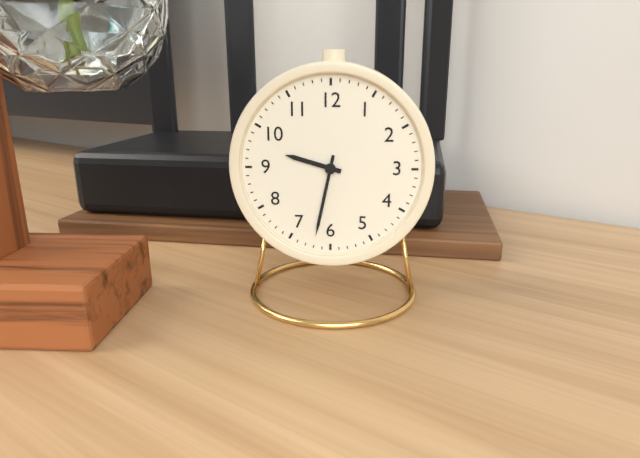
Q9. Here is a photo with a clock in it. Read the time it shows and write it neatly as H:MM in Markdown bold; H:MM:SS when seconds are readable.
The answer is **9:32**
